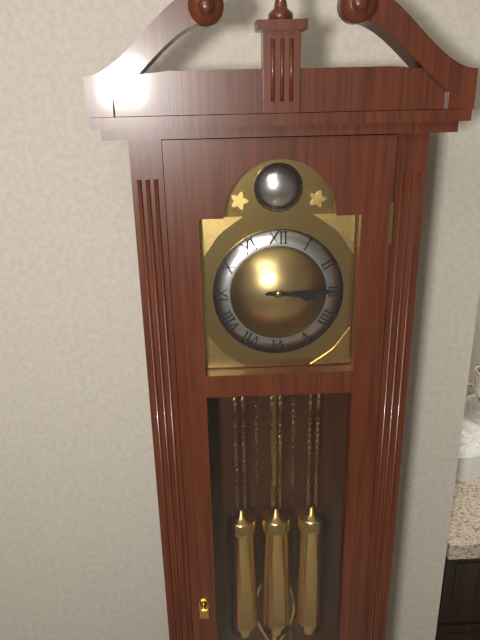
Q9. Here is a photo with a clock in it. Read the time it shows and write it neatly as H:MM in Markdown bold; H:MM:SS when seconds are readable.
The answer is **3:15**
